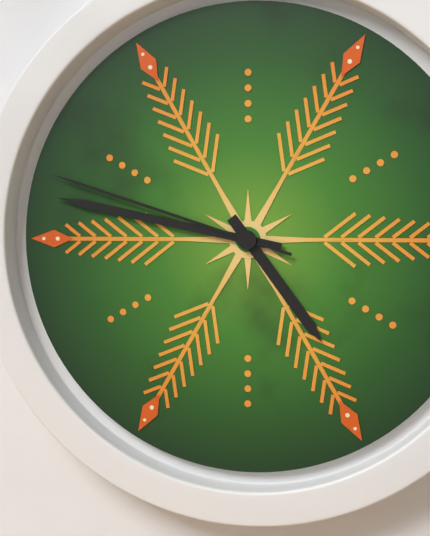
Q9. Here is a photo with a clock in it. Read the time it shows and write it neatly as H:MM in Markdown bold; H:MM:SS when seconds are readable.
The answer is **4:47:48**
